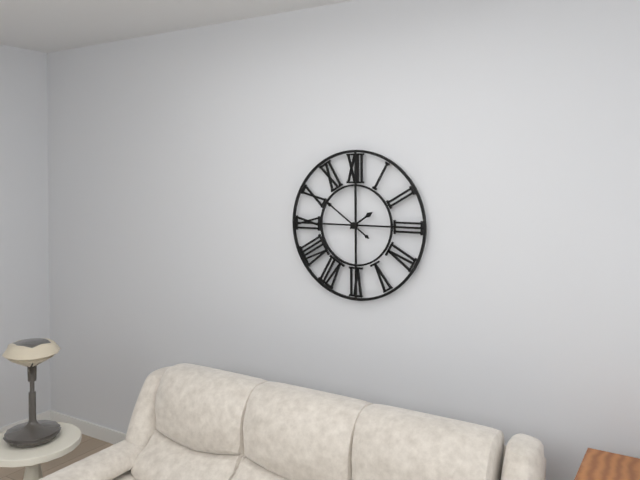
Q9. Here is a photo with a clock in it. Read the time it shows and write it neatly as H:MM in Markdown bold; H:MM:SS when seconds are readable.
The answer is **1:51**
